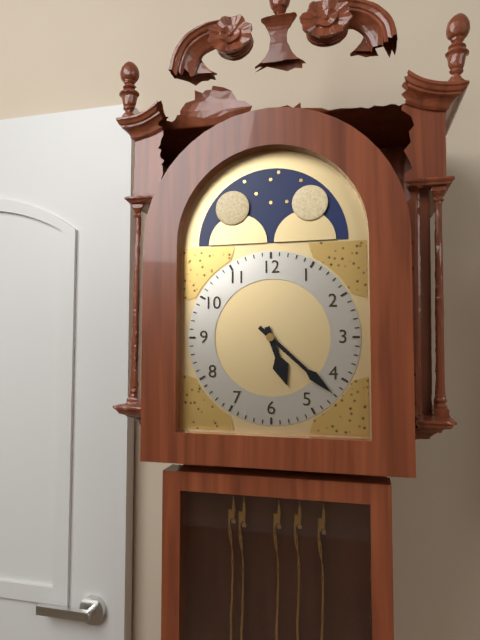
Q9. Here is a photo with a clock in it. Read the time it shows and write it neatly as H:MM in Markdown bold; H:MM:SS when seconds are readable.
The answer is **5:22**
